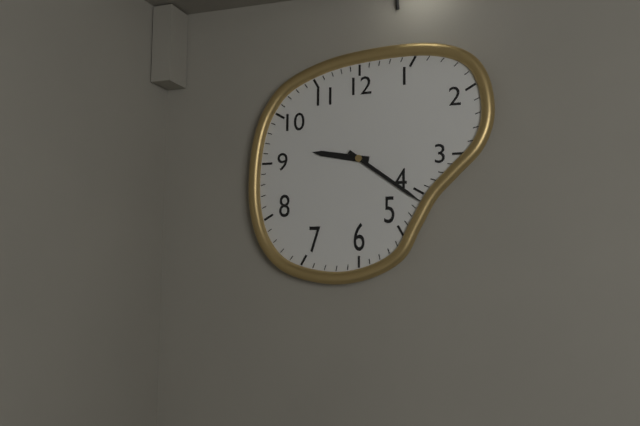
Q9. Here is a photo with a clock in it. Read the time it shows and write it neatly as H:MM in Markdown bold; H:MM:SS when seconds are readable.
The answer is **9:21**
